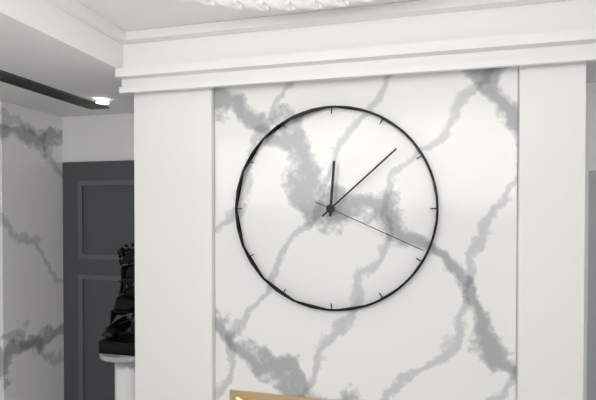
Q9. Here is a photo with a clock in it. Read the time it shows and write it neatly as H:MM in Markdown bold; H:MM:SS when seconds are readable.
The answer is **12:08:19**
